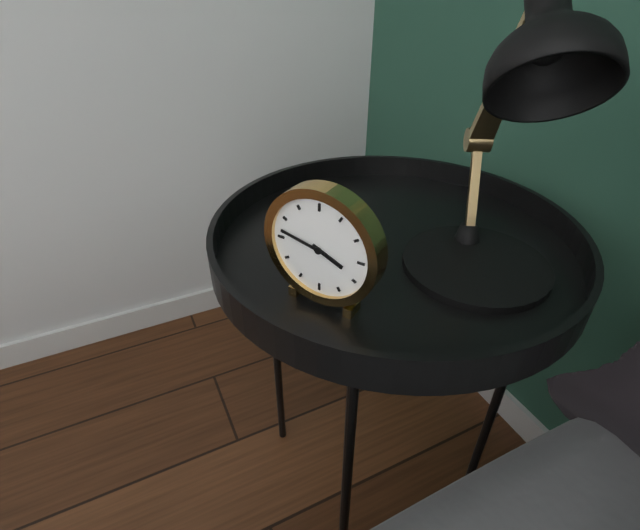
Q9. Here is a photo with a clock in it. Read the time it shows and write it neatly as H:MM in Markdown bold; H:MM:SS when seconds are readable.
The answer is **3:47**
